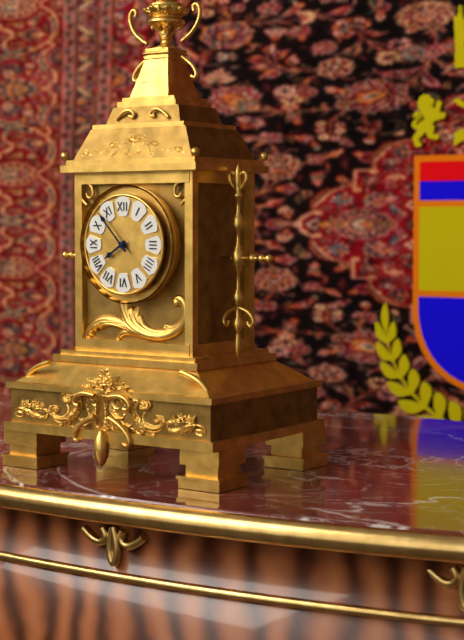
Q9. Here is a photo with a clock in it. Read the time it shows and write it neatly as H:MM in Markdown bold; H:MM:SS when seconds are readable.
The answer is **7:53**
